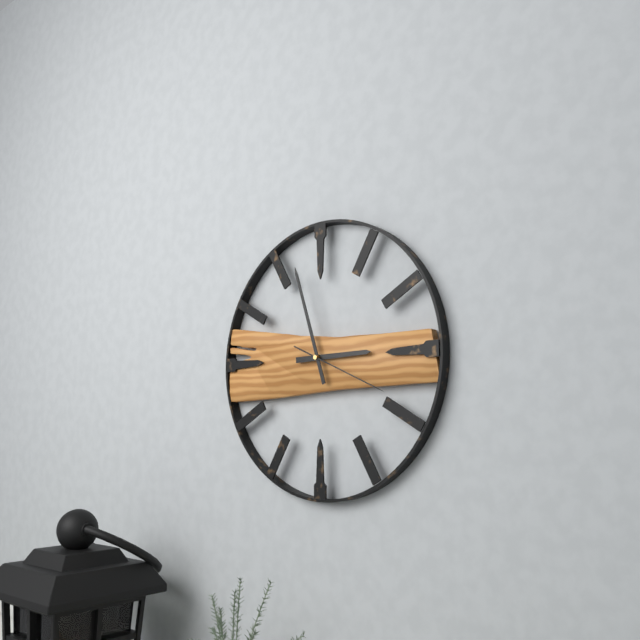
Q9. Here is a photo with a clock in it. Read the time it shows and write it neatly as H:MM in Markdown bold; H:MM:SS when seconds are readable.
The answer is **2:57:19**
